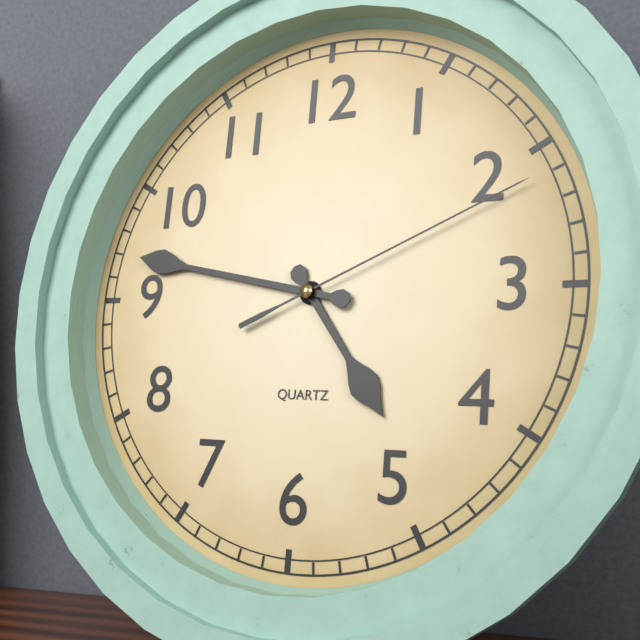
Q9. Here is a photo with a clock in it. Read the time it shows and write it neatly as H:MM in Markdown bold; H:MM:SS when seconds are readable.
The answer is **4:47:11**
